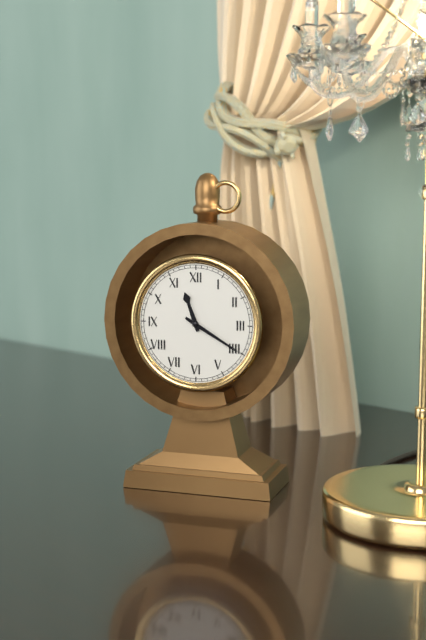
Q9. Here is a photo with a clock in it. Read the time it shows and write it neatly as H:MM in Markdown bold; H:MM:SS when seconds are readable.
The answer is **11:20**
